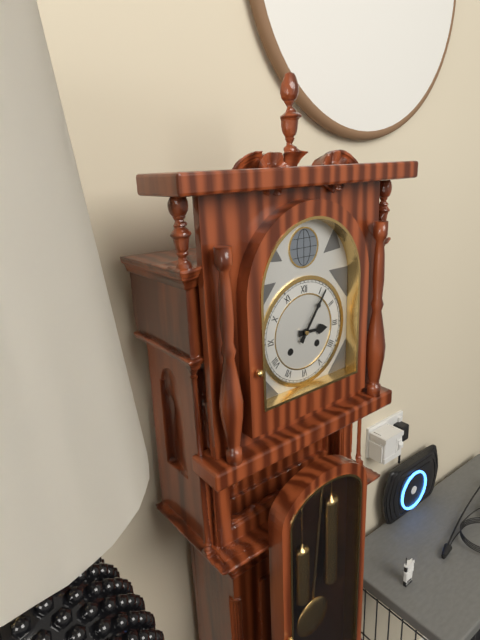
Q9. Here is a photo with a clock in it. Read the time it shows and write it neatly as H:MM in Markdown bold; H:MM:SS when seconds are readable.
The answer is **3:06**
